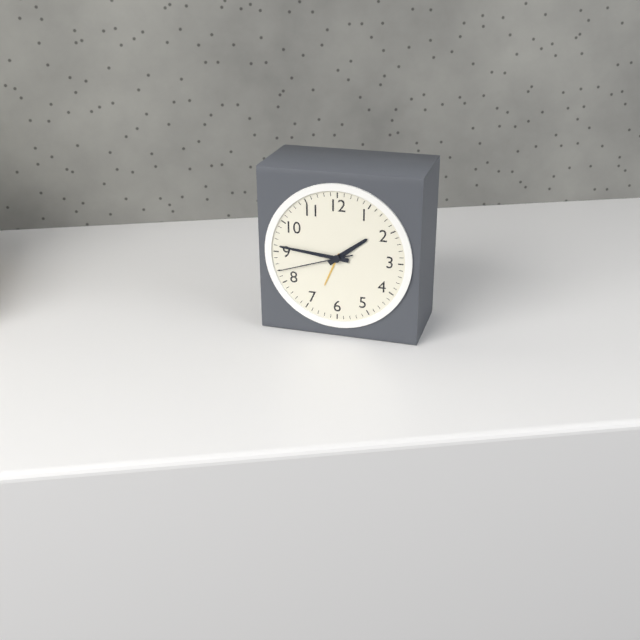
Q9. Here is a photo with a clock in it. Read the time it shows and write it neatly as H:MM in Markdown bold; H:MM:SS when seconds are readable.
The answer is **1:46:42**
